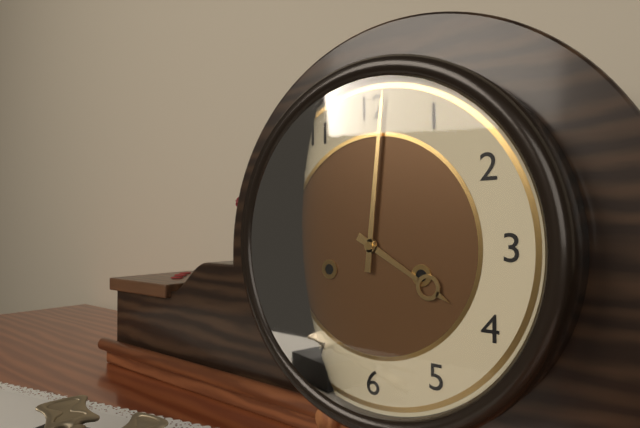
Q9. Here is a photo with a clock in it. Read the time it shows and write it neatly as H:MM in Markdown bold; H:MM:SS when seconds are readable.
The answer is **4:01**
